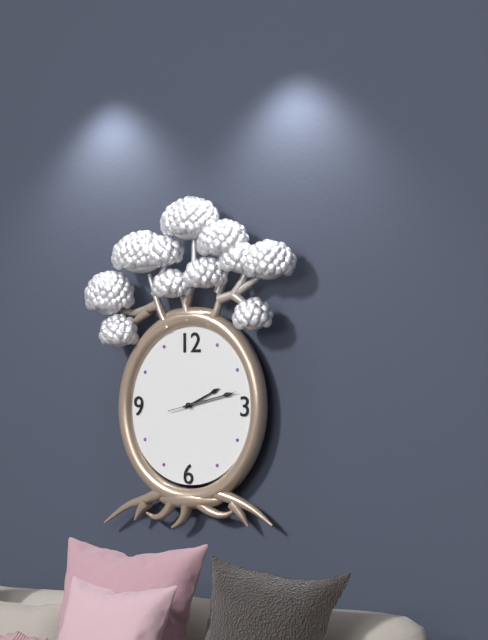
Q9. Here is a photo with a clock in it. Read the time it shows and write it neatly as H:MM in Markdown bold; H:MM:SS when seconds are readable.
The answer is **2:13:13**
